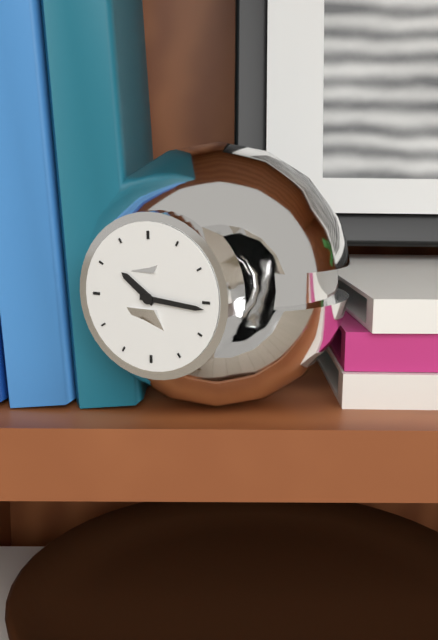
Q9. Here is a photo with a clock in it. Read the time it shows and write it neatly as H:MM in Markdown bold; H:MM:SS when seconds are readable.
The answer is **10:16**
